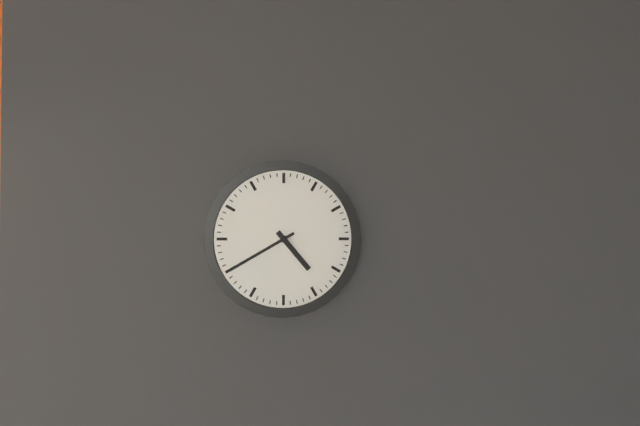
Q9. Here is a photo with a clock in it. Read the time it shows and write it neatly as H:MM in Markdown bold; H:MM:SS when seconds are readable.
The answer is **4:40**
